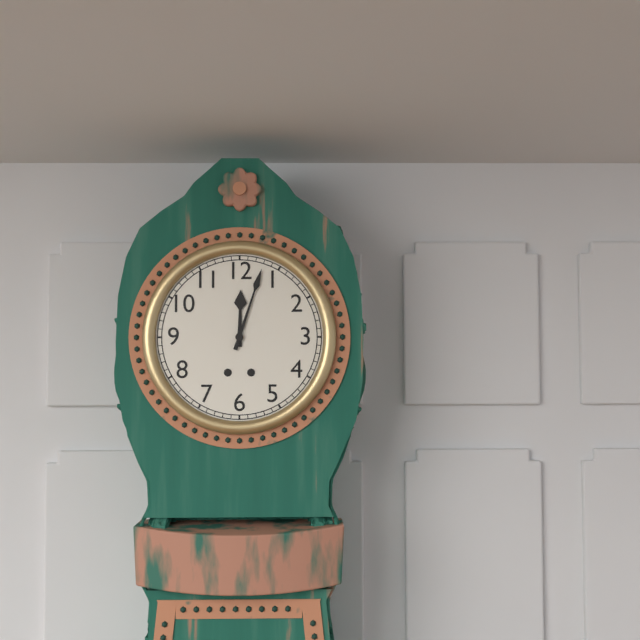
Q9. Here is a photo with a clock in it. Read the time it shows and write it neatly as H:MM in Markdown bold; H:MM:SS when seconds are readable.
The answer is **12:03**
